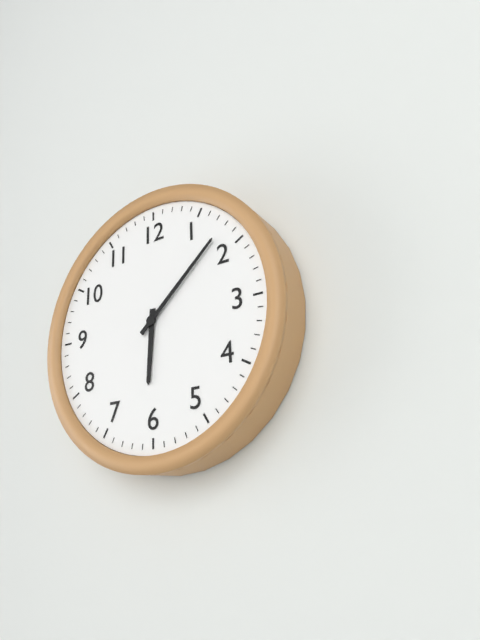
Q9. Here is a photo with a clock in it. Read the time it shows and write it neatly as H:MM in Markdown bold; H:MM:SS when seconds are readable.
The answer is **6:08**
